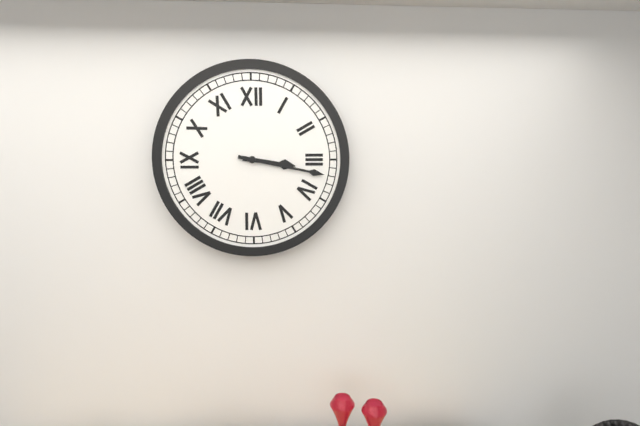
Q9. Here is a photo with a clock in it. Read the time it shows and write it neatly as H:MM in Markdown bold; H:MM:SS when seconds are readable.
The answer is **3:17**
